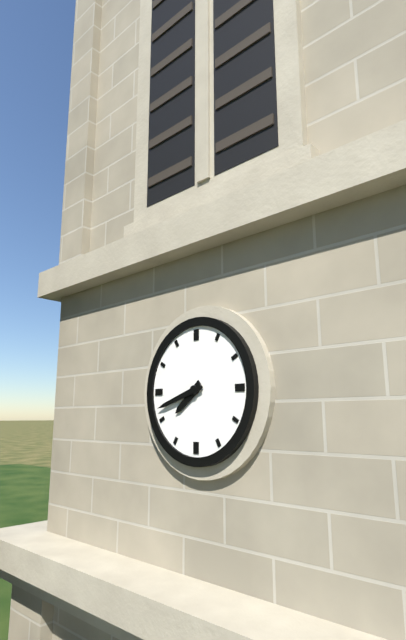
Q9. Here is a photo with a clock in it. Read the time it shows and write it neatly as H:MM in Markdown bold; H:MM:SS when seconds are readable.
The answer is **7:42**
